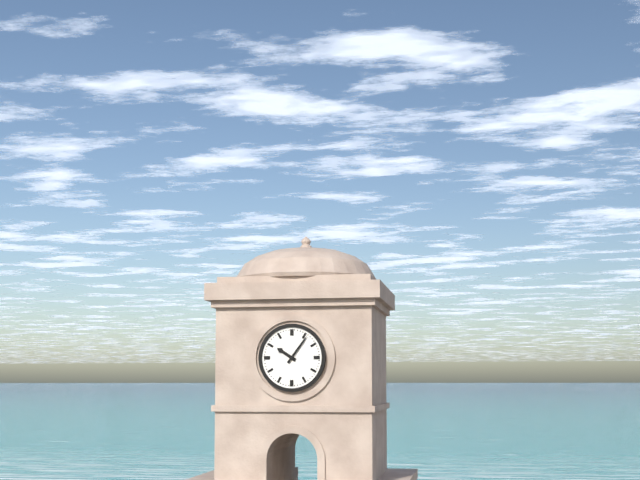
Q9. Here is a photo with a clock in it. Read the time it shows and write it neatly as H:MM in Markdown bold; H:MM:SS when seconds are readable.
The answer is **10:06**
